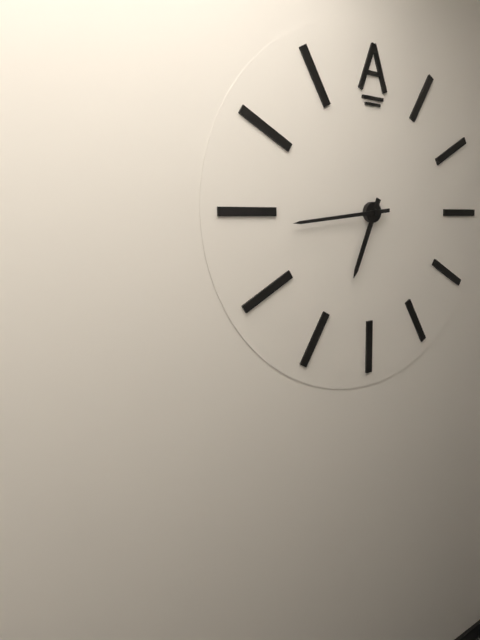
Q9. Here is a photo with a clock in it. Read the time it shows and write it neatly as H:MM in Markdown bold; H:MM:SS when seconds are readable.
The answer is **6:44**
